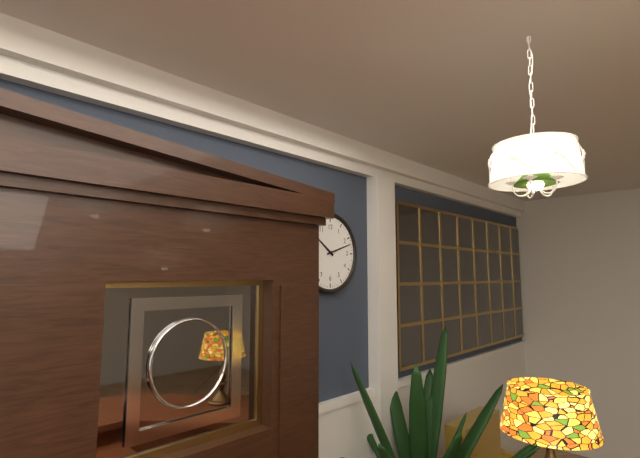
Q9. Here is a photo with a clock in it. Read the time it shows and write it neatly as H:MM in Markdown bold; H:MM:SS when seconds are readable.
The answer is **10:12**
